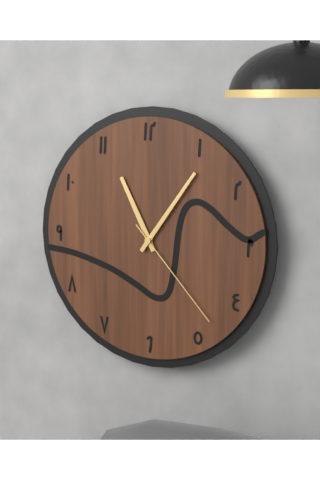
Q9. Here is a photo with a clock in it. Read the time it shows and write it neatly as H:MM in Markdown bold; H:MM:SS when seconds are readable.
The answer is **11:06:23**
